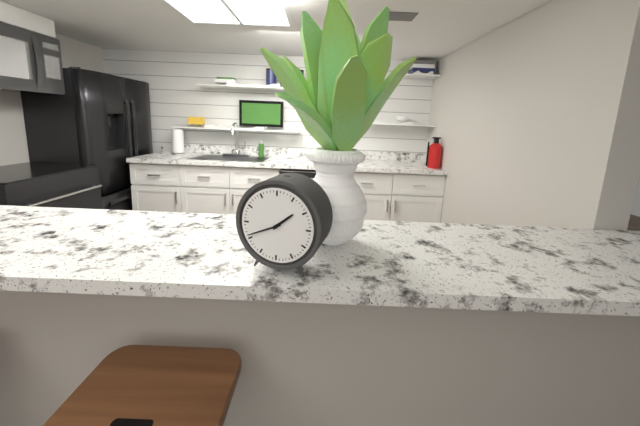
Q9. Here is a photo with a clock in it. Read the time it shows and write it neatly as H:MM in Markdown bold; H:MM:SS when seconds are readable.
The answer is **1:41**
